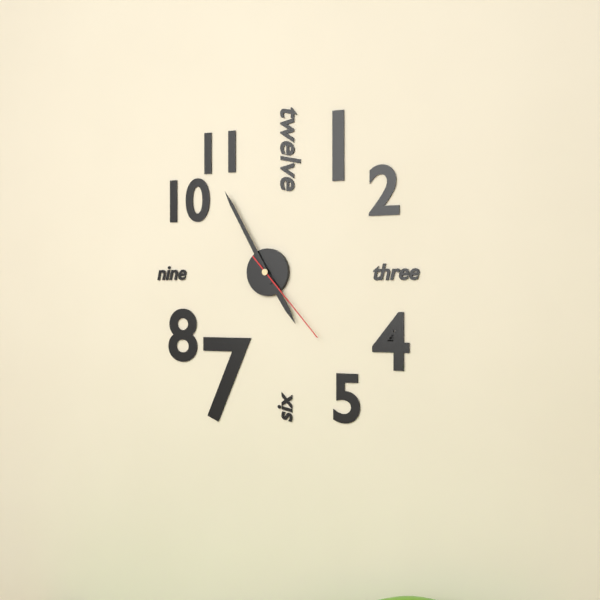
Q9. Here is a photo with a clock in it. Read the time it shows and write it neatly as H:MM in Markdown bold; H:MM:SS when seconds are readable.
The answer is **4:55:23**
